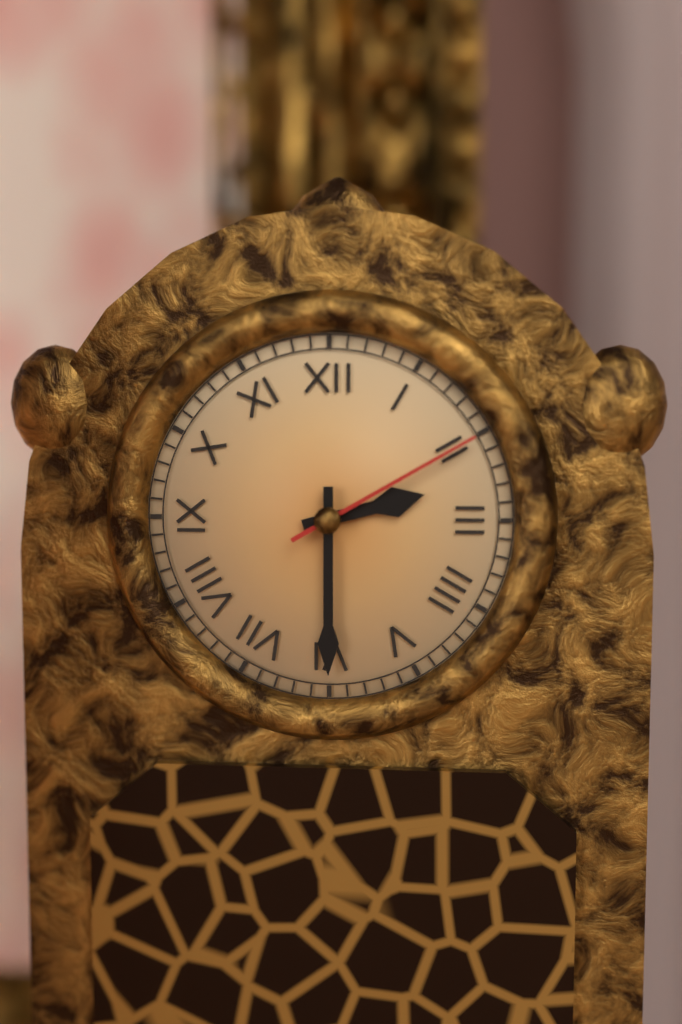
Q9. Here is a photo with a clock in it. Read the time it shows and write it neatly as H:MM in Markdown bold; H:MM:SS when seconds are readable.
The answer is **2:30:10**
